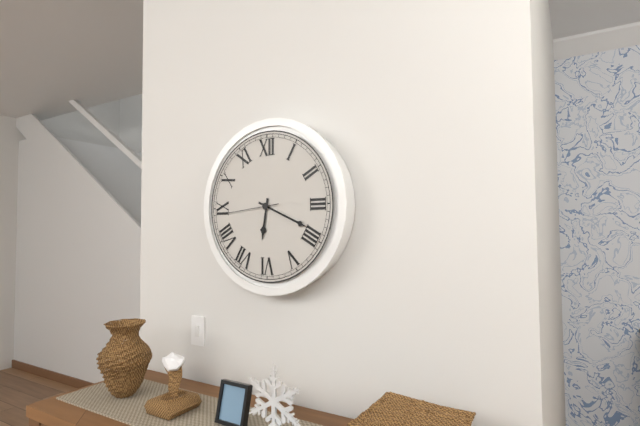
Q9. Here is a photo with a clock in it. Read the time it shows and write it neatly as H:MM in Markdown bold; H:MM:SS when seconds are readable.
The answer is **6:19:44**
